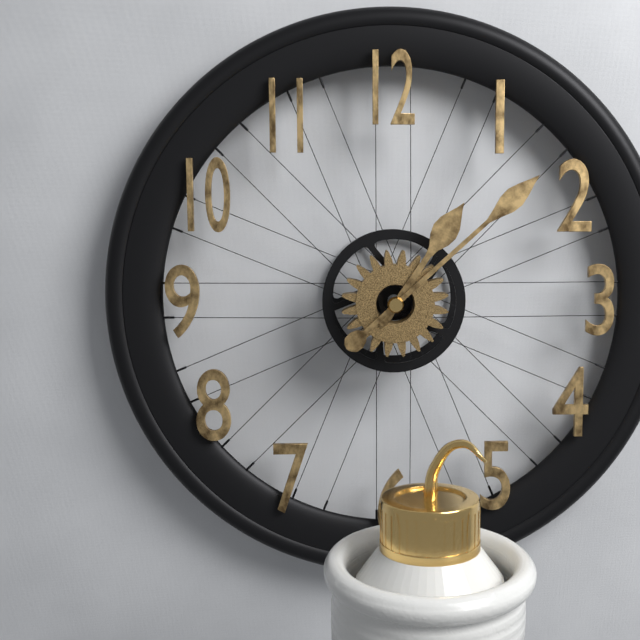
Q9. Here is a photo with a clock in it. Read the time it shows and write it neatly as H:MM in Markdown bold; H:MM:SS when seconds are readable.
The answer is **1:08**
